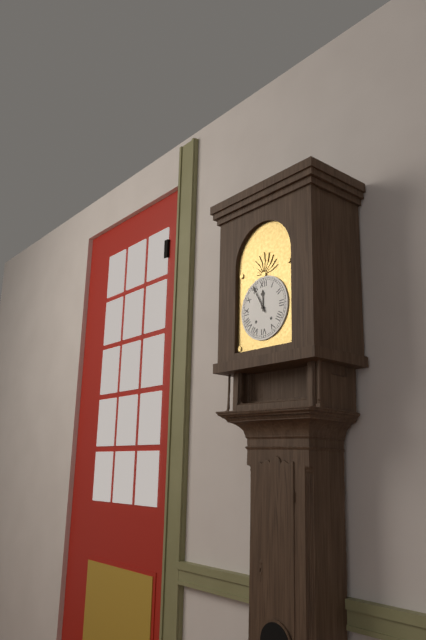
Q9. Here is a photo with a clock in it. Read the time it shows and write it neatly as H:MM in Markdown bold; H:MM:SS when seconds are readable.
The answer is **11:55**
